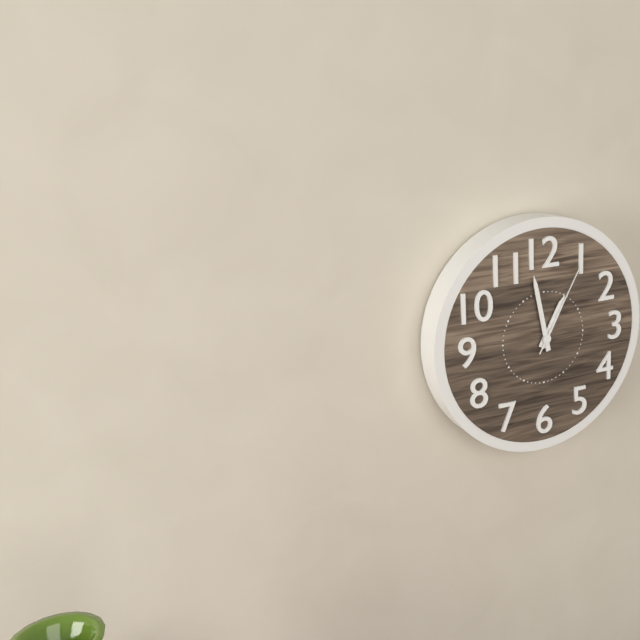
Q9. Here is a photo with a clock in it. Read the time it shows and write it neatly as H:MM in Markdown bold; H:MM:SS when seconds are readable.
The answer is **12:58:05**
